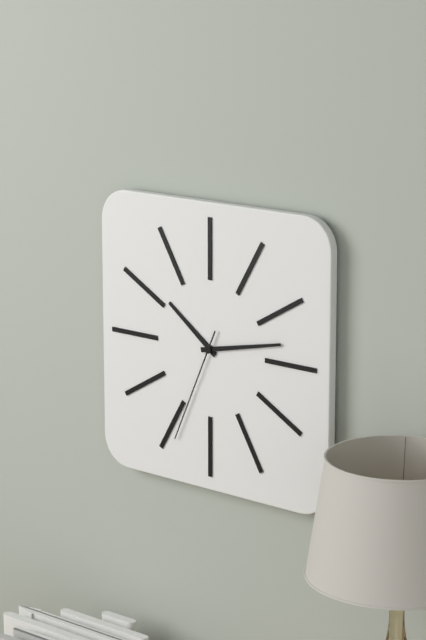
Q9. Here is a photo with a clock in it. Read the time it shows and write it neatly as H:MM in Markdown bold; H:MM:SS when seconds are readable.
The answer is **10:13:34**
